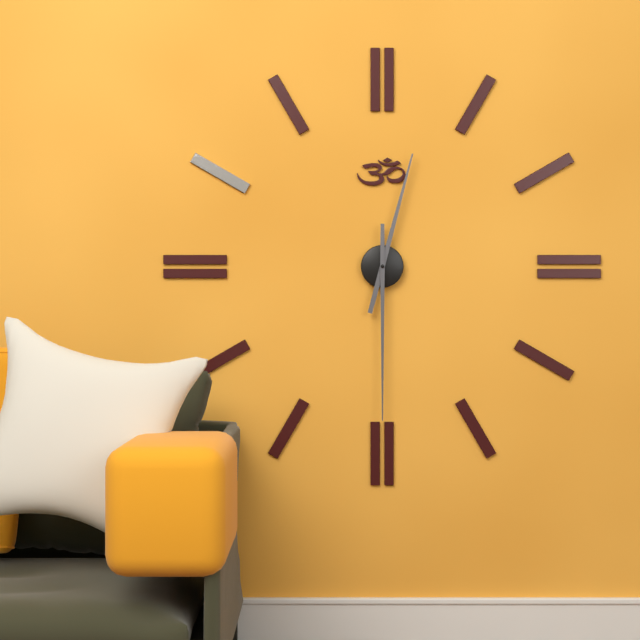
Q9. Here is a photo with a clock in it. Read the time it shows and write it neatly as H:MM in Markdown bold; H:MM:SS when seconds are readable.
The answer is **12:30**
